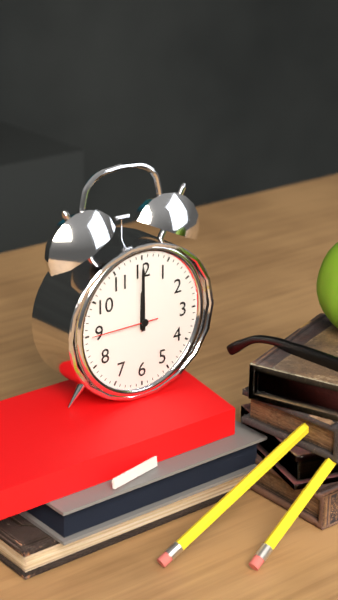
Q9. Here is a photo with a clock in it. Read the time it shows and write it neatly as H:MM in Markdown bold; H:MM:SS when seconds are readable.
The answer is **12:00:45**
